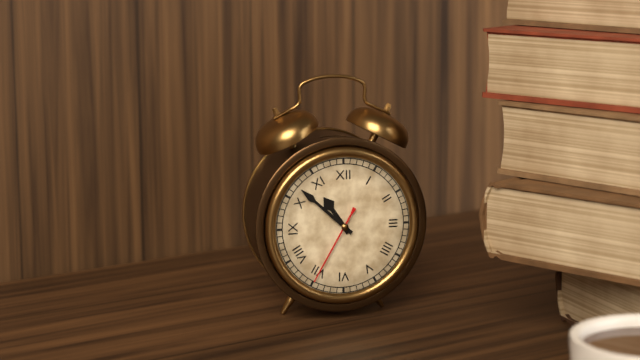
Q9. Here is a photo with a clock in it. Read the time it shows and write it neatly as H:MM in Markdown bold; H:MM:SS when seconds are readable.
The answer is **10:52:35**
